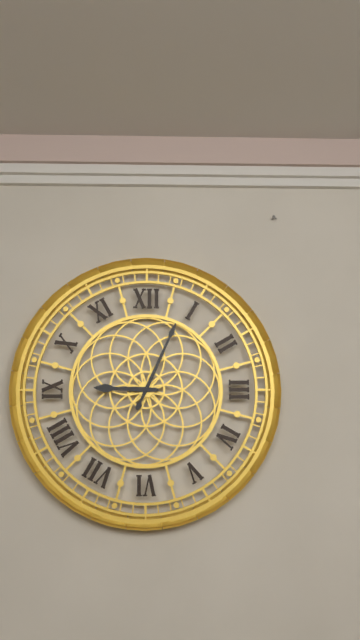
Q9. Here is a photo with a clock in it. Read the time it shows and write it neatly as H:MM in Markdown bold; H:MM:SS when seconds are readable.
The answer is **9:04**
